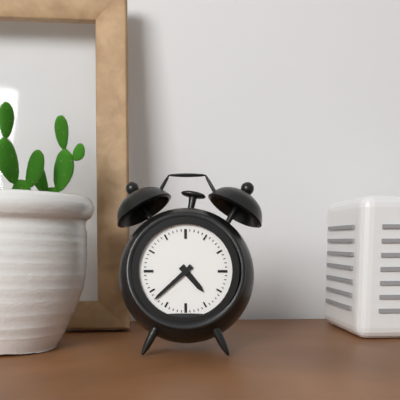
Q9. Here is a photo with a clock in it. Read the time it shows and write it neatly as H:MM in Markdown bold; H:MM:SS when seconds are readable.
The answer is **4:38**
